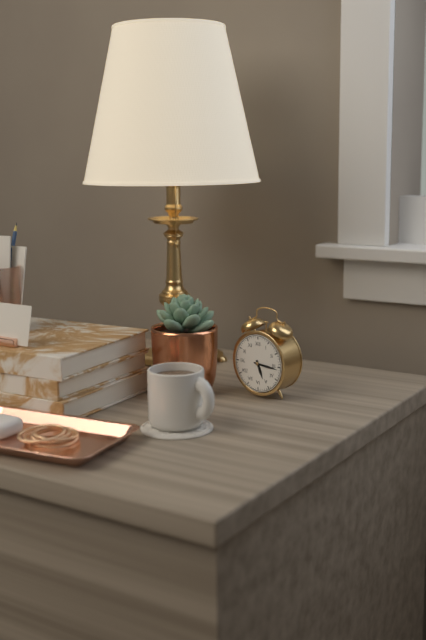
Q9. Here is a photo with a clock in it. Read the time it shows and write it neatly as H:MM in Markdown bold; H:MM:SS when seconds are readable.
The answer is **5:16**
